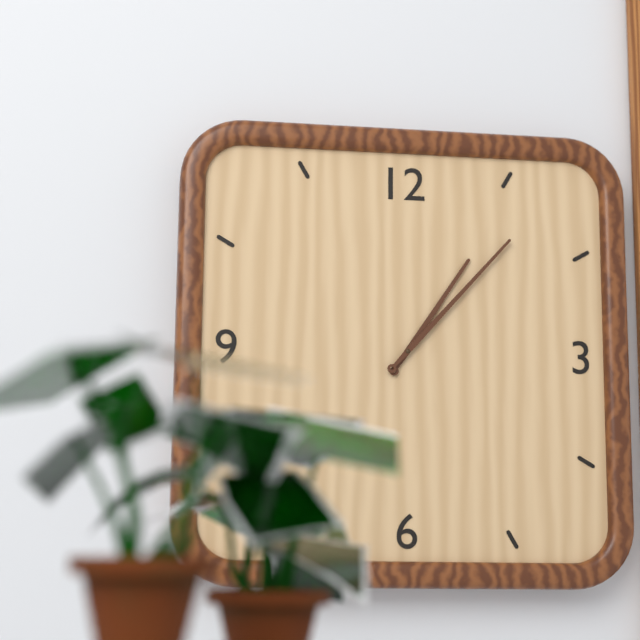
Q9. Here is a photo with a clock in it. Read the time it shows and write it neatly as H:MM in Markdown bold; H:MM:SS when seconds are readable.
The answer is **1:07**
